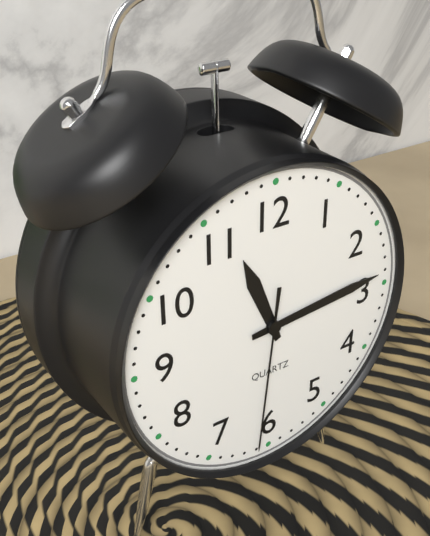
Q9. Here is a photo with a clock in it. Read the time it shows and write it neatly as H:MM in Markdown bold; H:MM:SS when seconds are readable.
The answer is **11:14:31**
